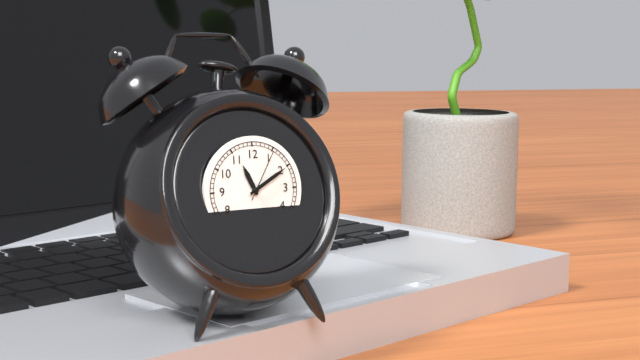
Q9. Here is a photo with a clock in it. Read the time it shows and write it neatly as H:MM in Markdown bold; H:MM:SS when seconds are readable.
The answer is **11:10:05**
